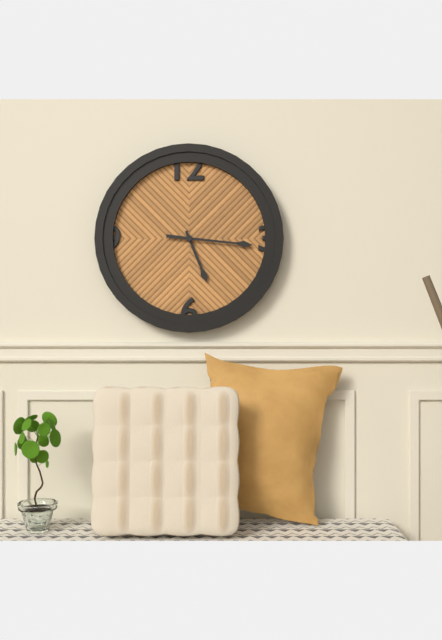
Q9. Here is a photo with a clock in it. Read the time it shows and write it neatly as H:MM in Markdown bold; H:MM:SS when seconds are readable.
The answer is **5:16**
